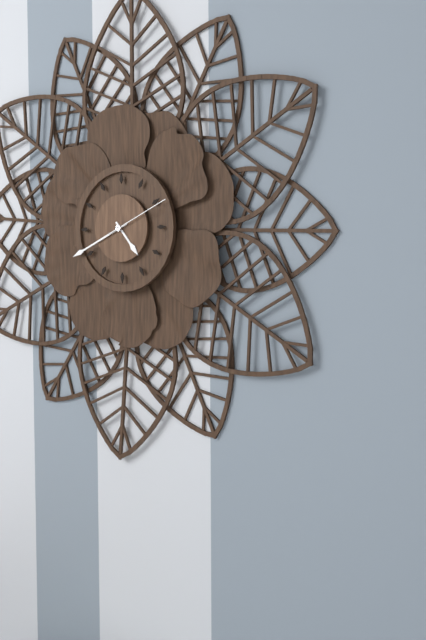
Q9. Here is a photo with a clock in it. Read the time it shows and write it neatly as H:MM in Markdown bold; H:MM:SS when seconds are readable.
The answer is **4:41:11**
